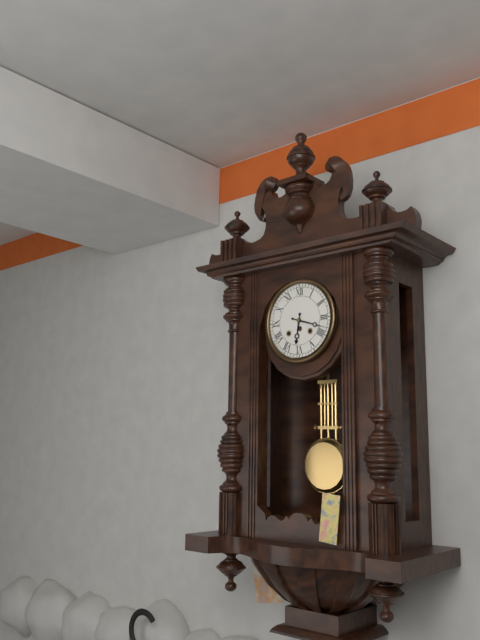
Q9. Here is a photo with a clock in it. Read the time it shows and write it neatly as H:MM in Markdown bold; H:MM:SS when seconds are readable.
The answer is **6:18**
